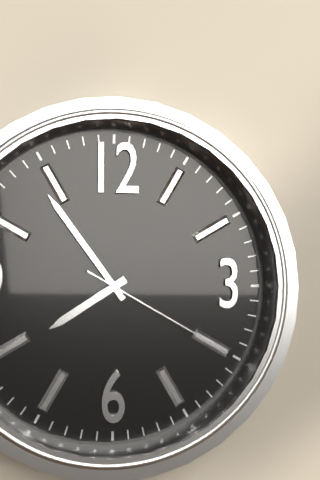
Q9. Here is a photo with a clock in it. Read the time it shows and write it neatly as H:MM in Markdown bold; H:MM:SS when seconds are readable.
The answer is **7:54:20**
